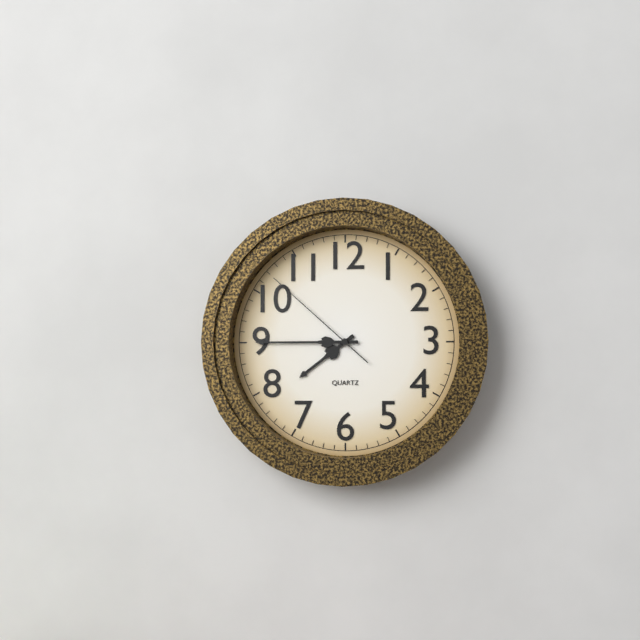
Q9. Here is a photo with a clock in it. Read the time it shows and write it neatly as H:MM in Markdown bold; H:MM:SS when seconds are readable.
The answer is **7:45:52**
